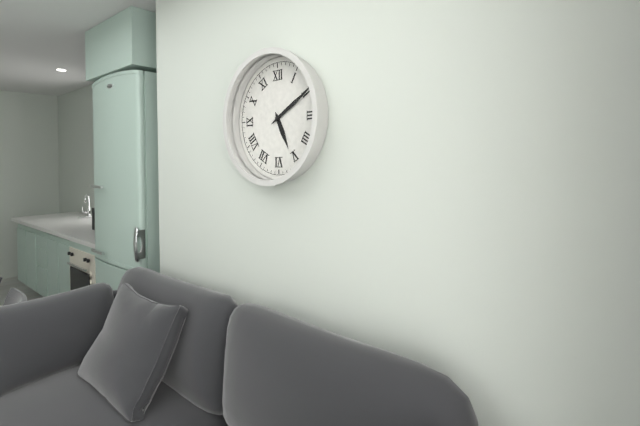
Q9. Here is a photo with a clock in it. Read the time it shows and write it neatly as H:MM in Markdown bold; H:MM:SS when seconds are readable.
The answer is **5:10**
